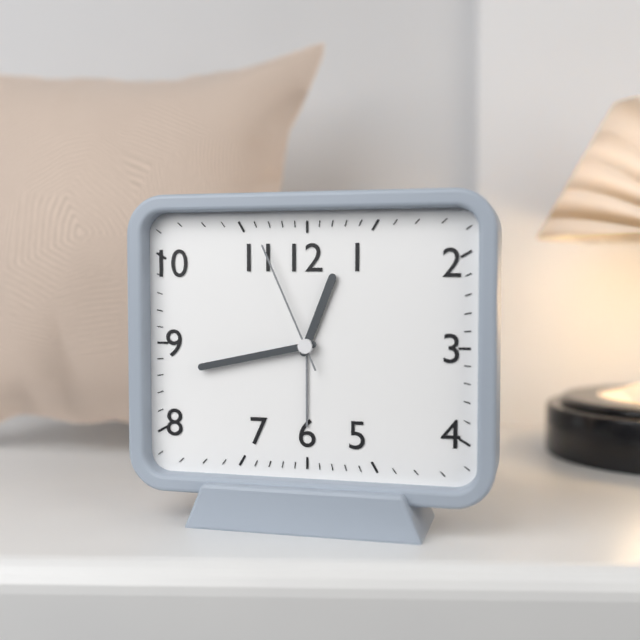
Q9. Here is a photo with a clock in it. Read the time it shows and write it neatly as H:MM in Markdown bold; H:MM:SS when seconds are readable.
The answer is **12:43:56**
